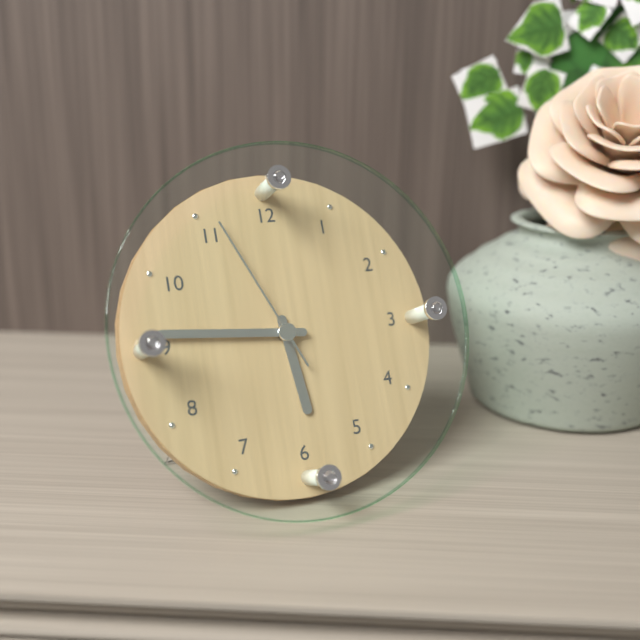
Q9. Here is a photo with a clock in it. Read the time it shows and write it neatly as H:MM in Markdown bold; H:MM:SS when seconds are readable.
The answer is **5:46:56**
